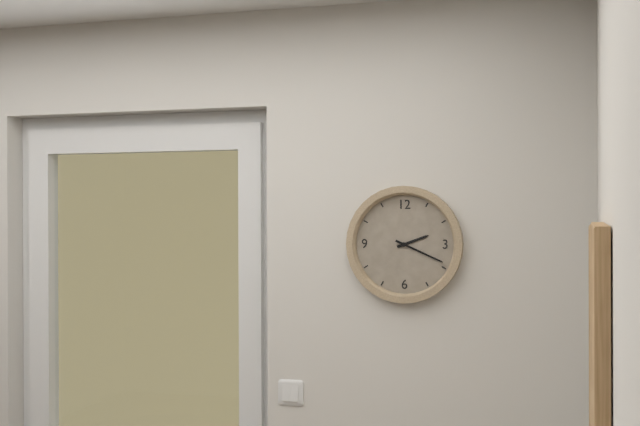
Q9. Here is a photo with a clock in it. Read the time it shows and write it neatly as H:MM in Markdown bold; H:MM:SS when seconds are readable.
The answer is **2:19**
